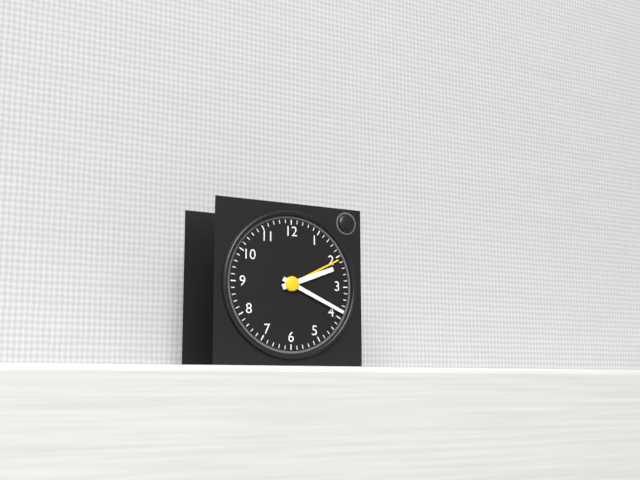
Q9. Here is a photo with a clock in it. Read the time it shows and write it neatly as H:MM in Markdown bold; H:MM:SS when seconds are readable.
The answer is **2:19**
